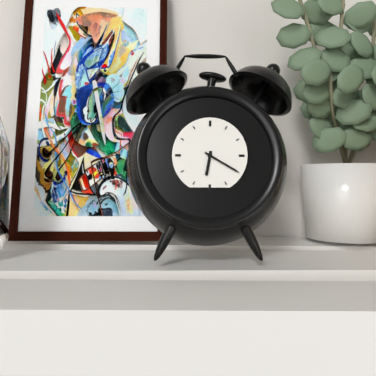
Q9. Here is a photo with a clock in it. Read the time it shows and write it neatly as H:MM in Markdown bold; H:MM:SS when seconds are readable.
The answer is **6:20**
